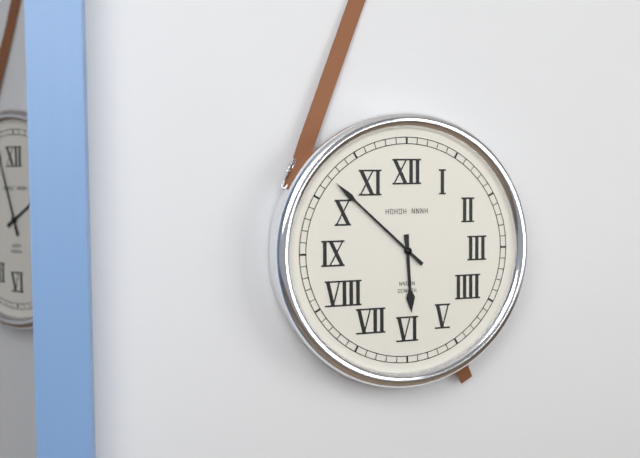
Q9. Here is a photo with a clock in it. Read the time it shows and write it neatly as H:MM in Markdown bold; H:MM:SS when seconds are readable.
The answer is **5:52**
